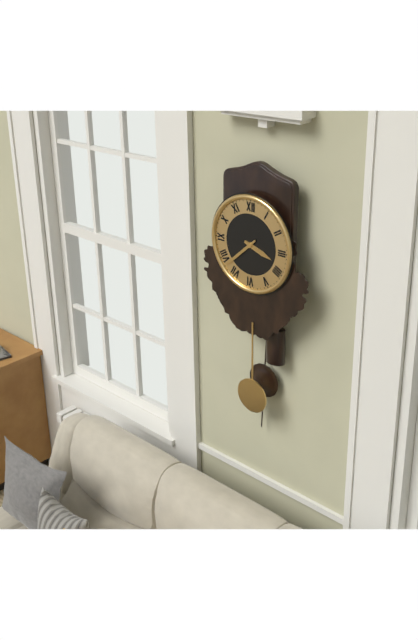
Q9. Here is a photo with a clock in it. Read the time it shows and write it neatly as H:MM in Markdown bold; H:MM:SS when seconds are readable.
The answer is **3:38**
